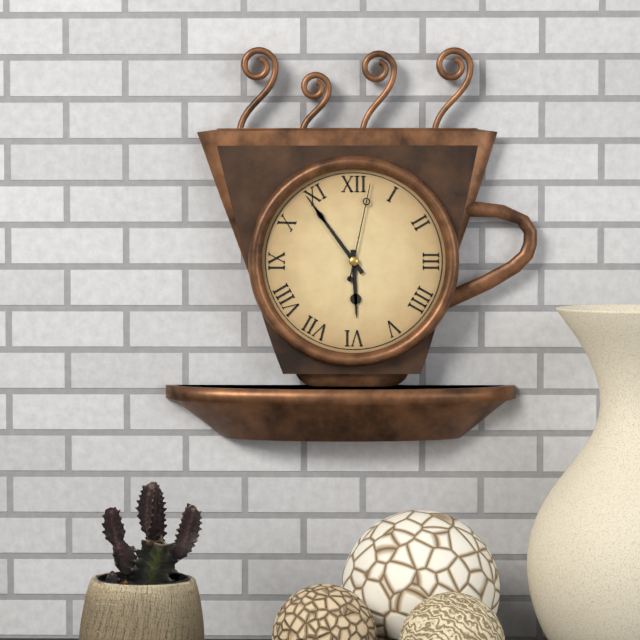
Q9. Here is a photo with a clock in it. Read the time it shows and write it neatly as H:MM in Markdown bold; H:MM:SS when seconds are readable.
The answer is **5:54:02**
